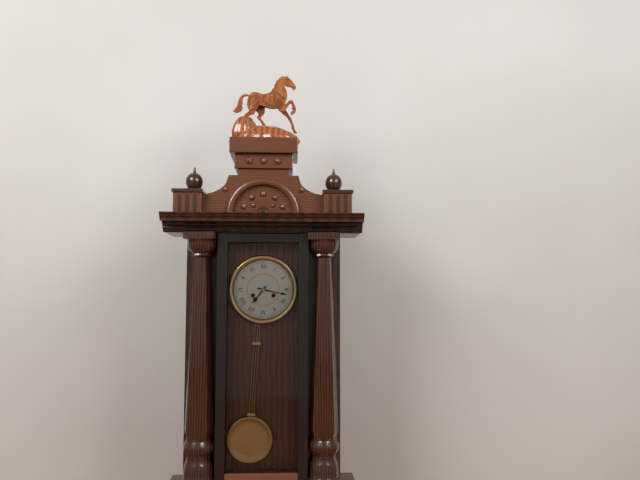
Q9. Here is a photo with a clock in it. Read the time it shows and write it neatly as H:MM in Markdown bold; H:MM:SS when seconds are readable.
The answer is **7:17**
